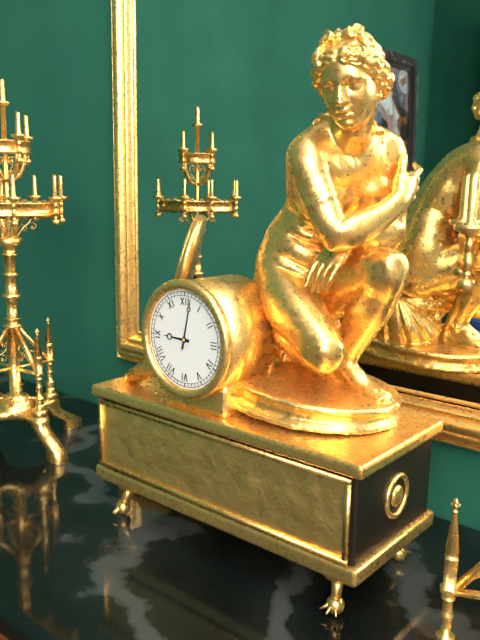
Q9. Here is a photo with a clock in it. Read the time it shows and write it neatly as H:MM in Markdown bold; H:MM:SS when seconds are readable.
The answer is **9:02**
